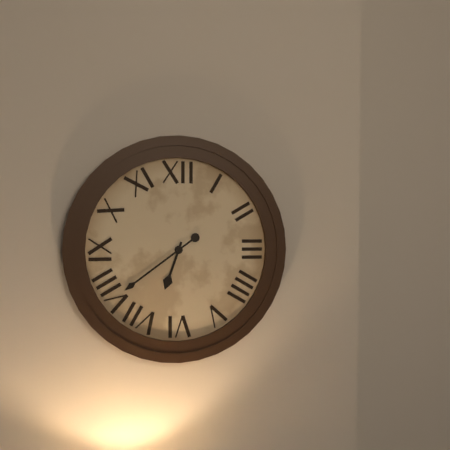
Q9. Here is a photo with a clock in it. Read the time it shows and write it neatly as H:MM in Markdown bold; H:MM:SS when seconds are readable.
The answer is **6:39**
